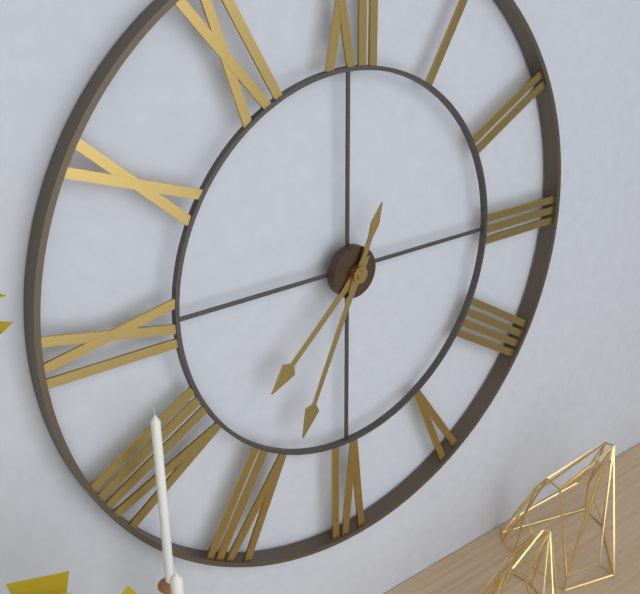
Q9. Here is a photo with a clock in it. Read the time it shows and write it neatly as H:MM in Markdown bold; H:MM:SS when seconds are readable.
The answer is **7:34**
